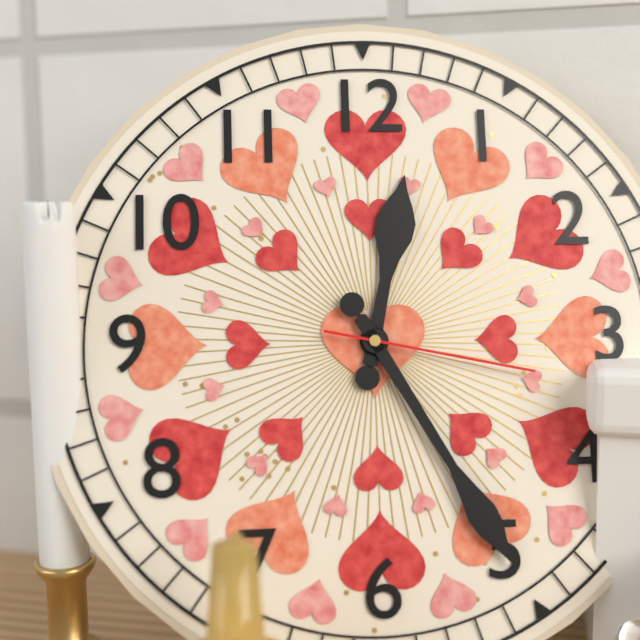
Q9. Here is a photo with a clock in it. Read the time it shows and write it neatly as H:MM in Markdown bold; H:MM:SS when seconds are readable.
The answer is **12:25:17**
